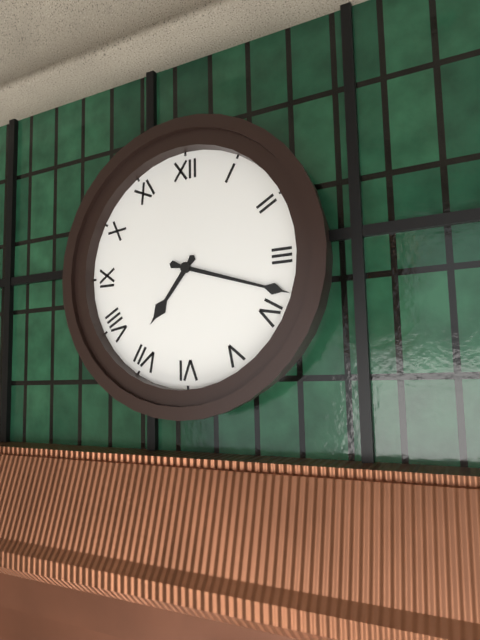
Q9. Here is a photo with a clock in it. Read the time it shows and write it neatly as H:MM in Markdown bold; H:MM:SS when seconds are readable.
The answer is **7:18**
